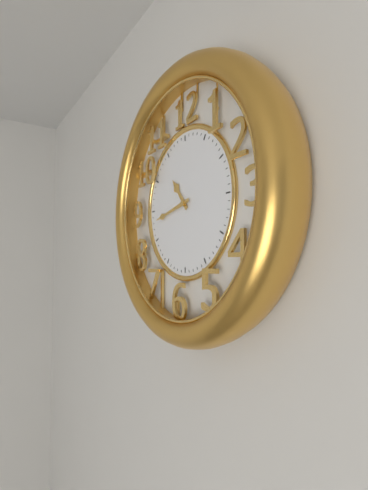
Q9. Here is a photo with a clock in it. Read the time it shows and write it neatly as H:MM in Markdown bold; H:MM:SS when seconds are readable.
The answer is **10:43**
